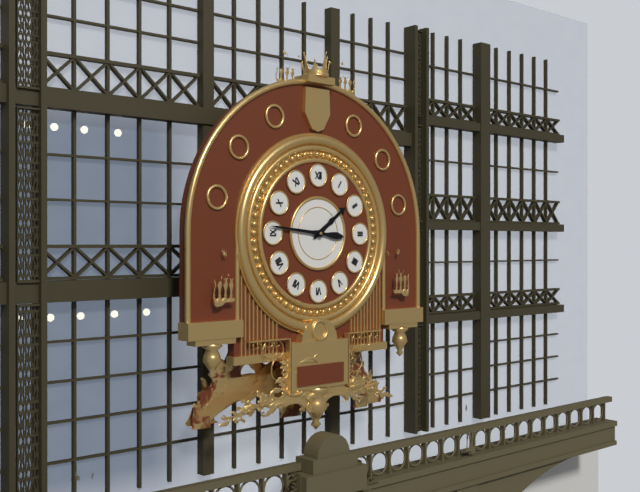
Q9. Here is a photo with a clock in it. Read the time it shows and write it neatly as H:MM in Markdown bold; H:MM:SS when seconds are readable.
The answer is **1:46**
